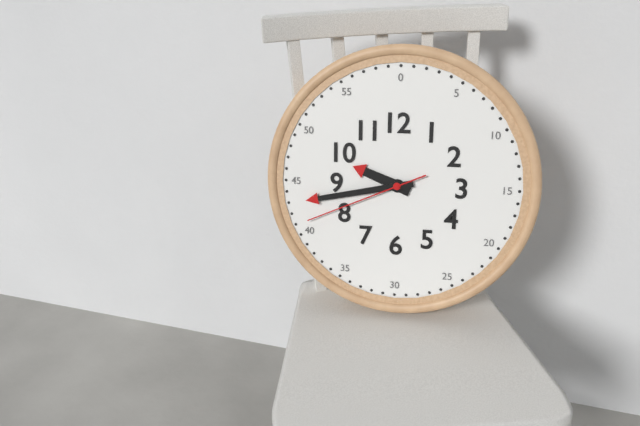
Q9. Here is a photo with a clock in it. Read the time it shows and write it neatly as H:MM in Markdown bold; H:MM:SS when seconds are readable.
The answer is **9:43:41**
